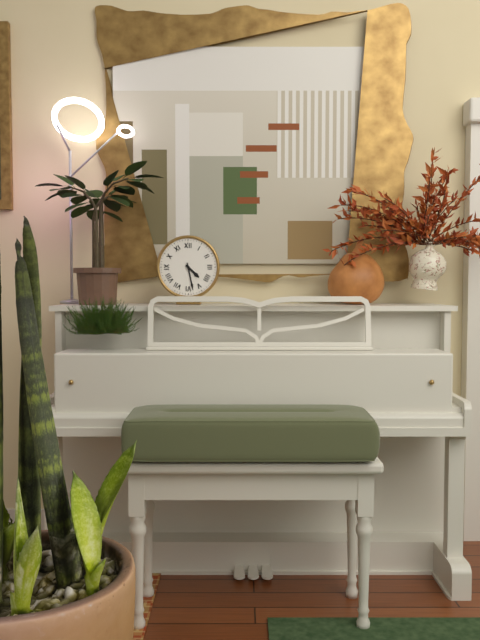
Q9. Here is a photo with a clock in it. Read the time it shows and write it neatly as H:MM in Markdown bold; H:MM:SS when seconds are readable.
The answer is **4:28**
